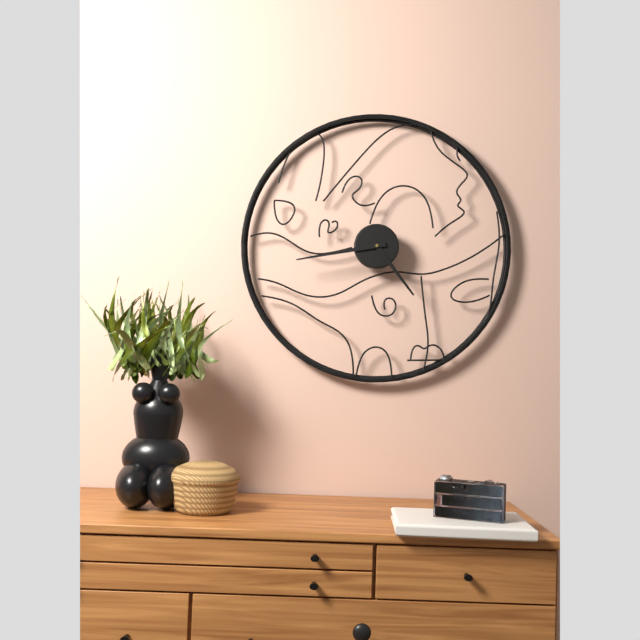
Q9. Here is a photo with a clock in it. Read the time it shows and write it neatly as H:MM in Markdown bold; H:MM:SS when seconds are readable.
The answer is **4:43**
